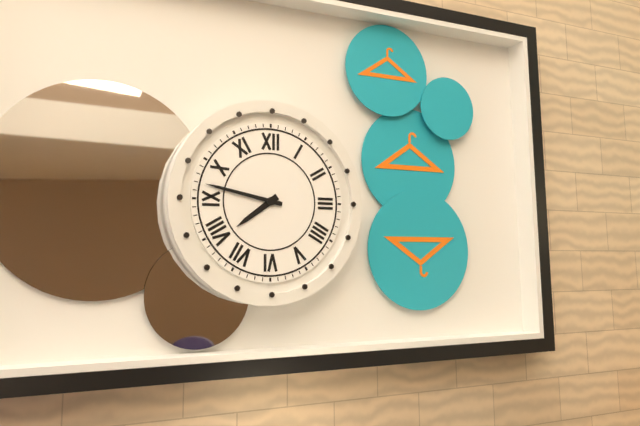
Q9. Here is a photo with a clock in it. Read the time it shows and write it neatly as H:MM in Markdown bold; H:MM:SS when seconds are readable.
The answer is **7:47**
